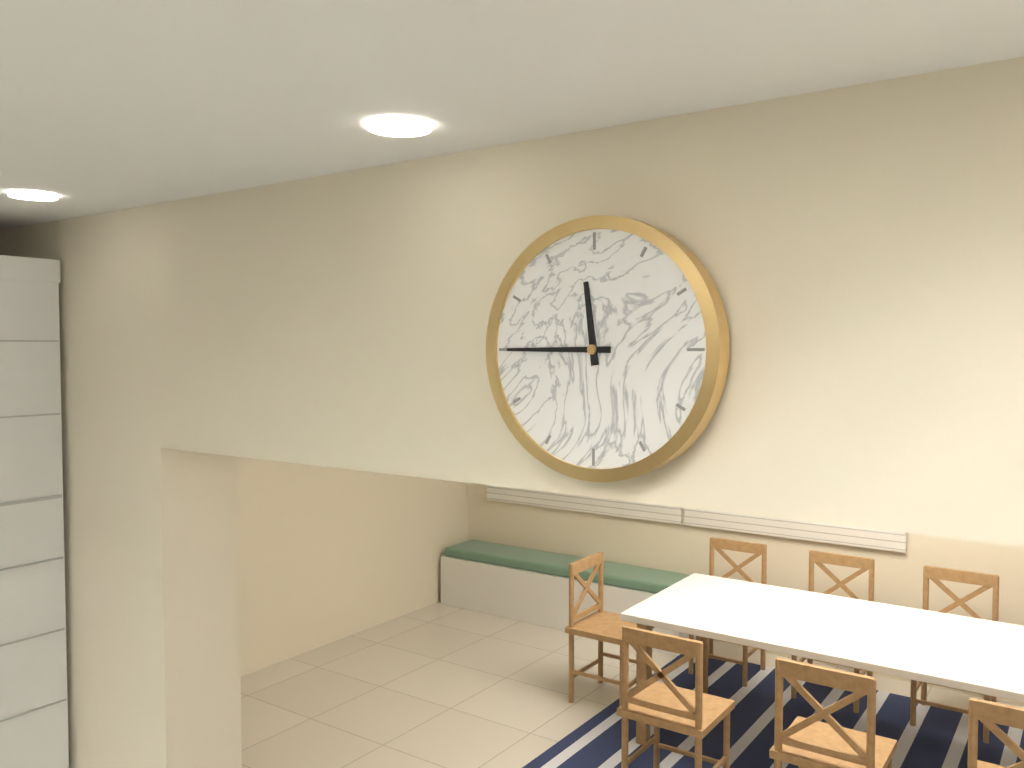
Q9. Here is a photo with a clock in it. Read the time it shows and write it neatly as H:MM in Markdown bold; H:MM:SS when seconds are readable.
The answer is **11:45**
